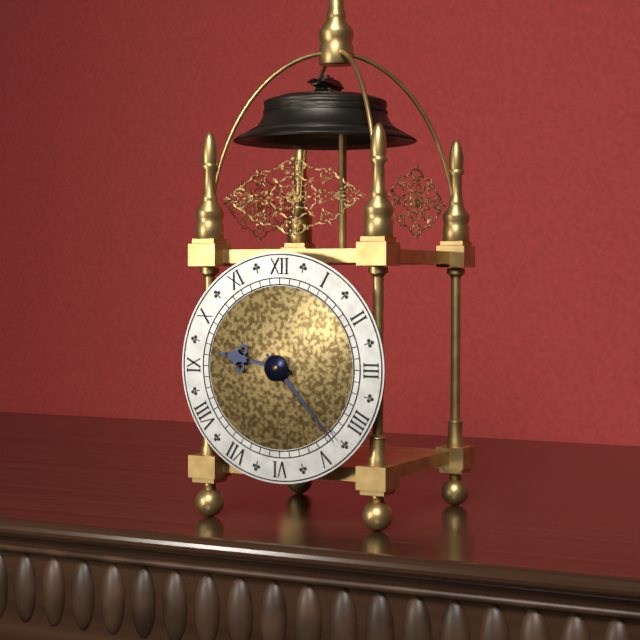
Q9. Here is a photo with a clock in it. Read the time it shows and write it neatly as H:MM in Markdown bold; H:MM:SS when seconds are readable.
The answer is **9:23**
